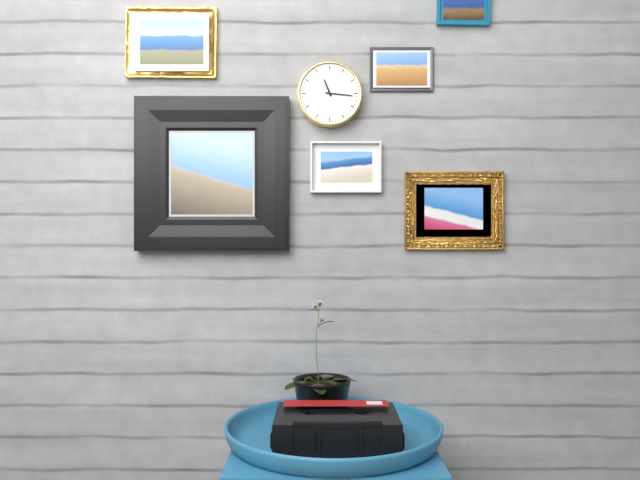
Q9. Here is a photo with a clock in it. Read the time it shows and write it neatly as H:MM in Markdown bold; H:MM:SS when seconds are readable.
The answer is **11:16**
